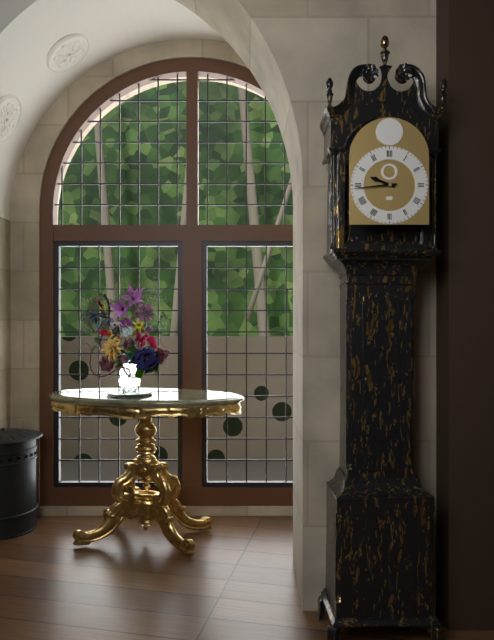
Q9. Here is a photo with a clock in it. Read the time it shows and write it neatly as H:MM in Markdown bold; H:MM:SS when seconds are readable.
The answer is **9:44**
